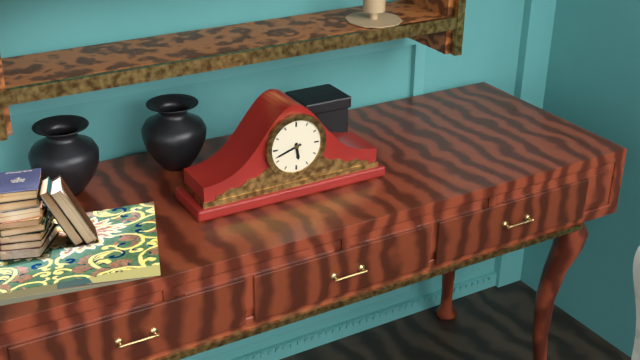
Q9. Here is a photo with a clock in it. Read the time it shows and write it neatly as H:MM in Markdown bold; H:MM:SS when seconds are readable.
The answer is **5:42**
